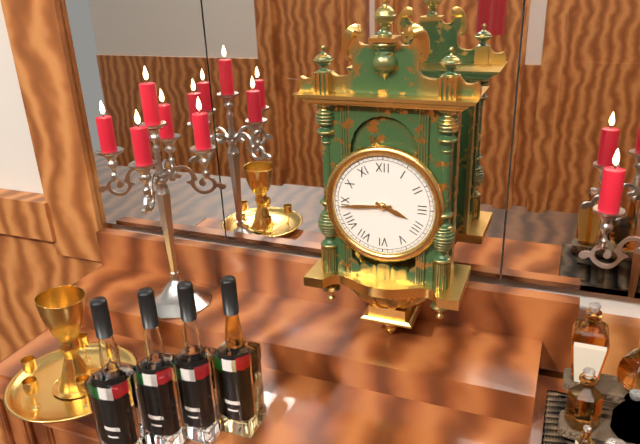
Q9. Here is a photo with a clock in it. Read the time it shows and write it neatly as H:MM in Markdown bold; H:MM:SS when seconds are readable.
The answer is **3:44**
